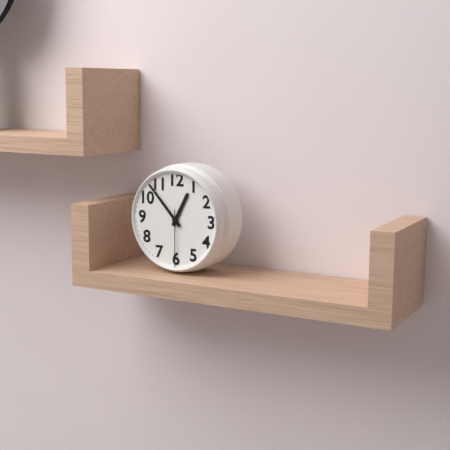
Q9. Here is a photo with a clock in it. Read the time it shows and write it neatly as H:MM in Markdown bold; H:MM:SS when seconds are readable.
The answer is **12:53:30**
